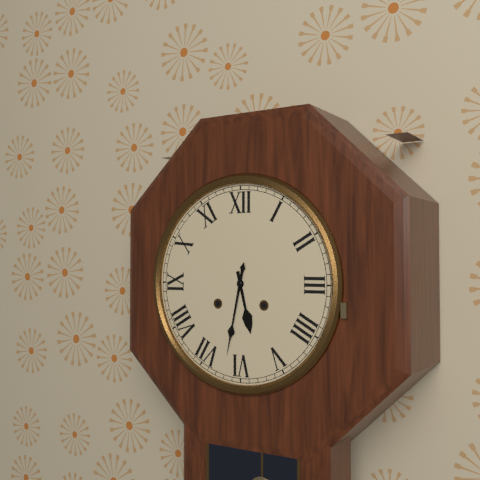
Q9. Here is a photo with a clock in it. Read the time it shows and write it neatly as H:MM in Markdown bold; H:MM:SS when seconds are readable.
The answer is **5:32**
